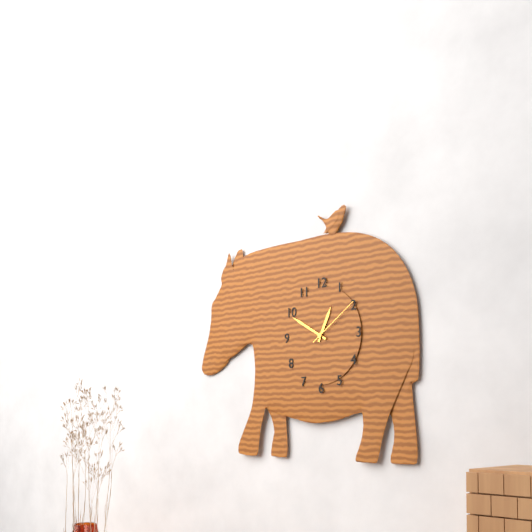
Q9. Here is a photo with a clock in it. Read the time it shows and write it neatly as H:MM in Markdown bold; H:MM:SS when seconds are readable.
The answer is **12:50:09**
